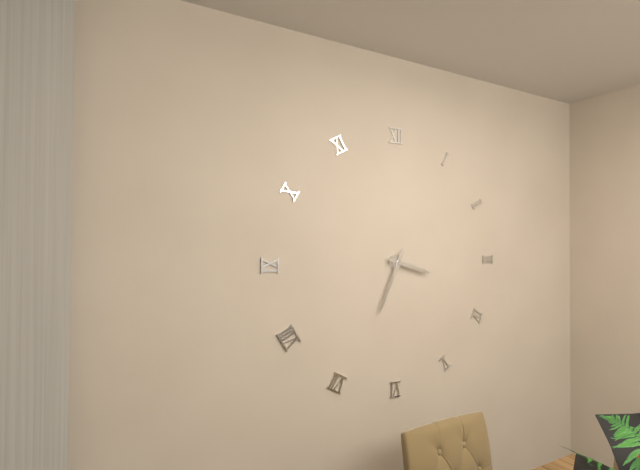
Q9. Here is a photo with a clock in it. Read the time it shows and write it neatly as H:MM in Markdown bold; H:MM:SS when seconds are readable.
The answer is **3:34**
